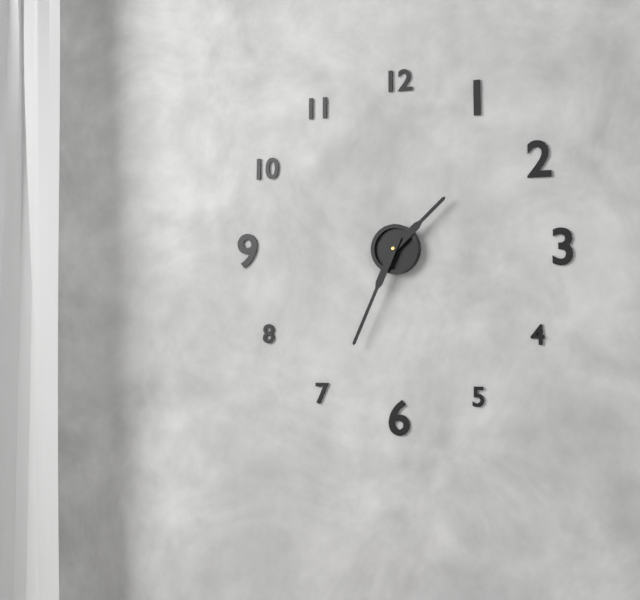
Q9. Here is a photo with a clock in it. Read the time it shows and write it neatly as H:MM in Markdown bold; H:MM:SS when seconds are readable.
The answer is **1:34**
